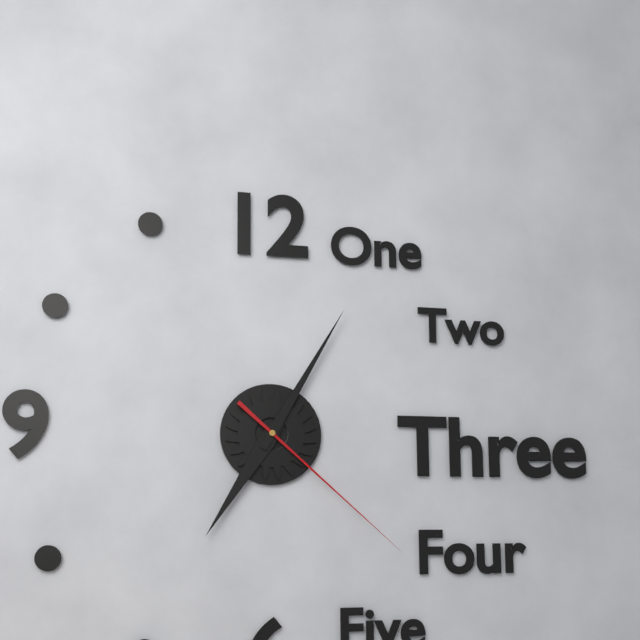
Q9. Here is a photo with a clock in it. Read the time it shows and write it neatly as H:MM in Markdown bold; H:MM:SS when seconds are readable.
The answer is **7:05:22**
